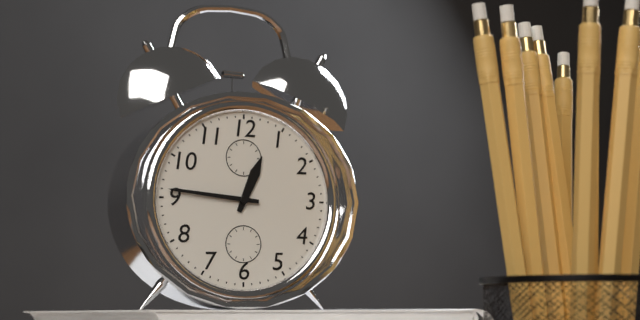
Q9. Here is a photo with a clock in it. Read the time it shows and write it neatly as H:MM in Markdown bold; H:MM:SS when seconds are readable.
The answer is **12:46**
